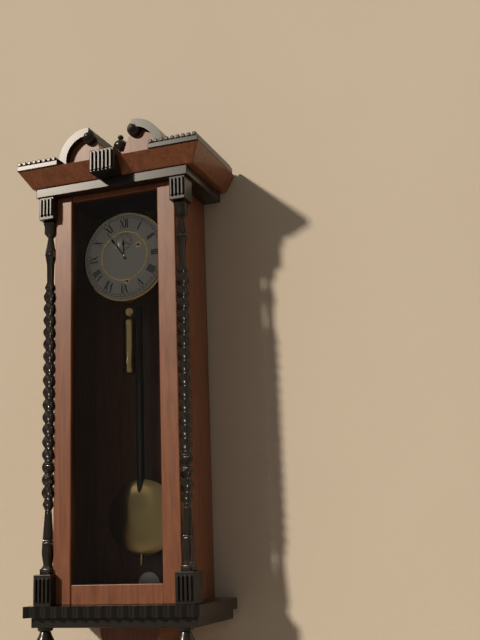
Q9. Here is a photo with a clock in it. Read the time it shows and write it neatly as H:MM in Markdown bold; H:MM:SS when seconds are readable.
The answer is **11:54**
